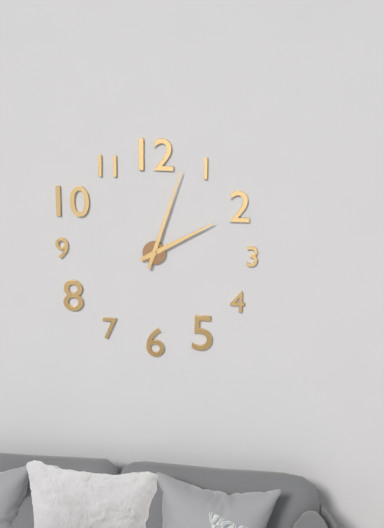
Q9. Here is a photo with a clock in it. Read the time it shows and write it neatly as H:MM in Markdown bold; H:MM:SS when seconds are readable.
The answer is **2:03**
